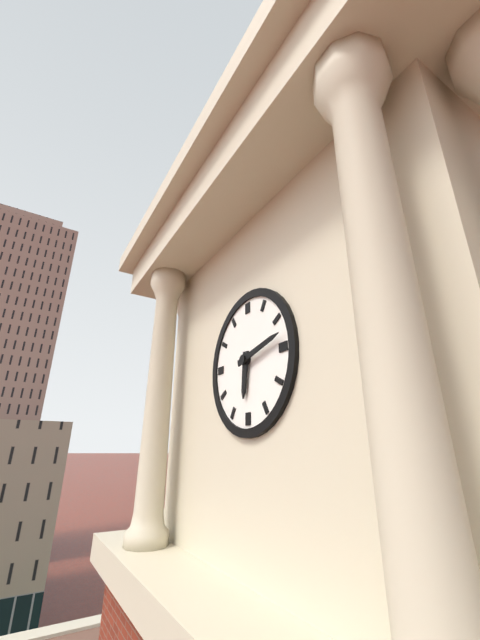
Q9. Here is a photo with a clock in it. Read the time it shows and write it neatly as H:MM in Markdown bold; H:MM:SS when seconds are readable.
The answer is **6:13**
